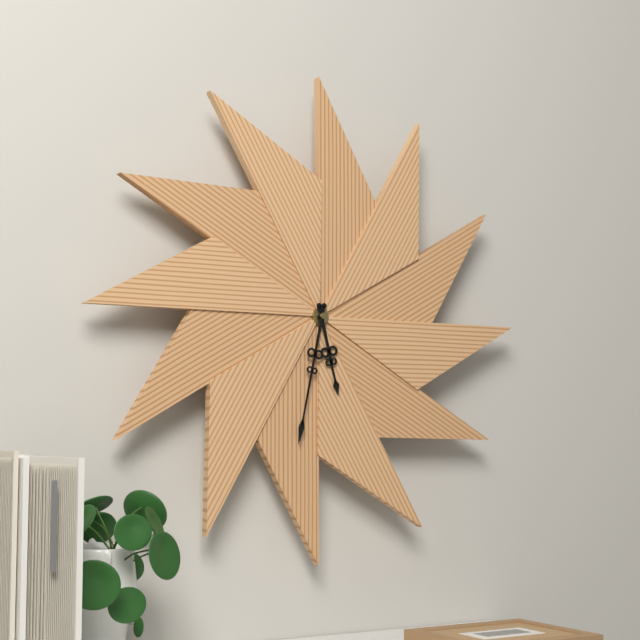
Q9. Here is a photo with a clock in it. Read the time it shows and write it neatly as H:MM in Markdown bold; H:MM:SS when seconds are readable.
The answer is **5:32**
